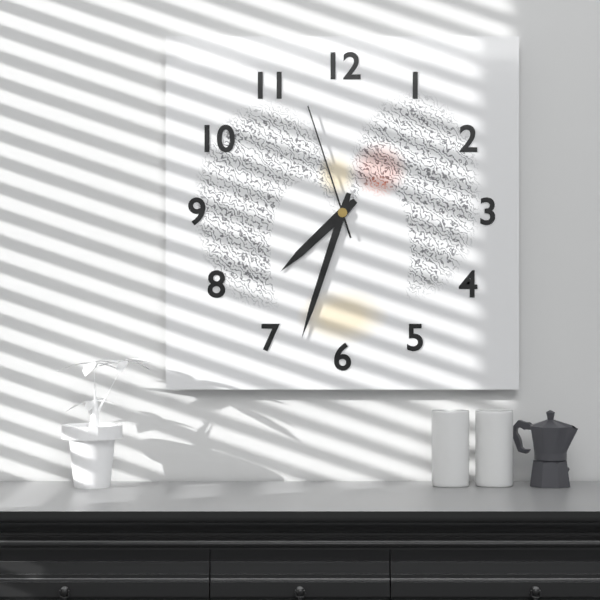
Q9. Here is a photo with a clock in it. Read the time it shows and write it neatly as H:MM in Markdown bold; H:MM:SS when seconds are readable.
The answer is **7:33:57**
